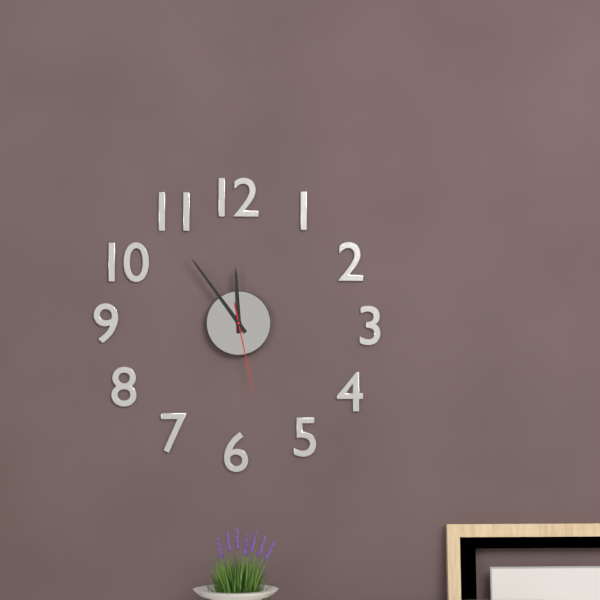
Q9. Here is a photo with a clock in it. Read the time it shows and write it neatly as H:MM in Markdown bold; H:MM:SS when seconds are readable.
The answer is **11:54:28**
